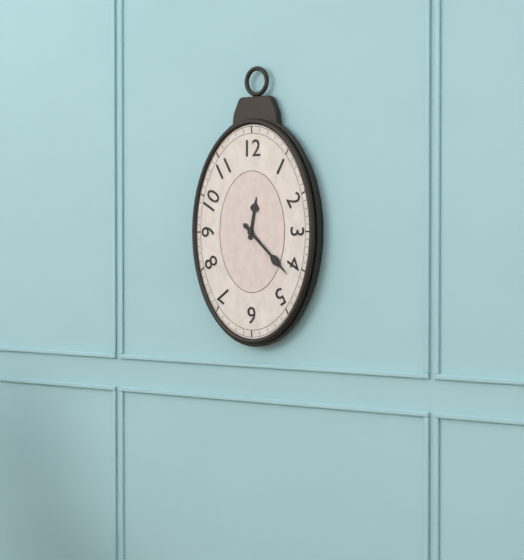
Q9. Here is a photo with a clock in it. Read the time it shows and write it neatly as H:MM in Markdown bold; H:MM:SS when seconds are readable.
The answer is **12:22**
